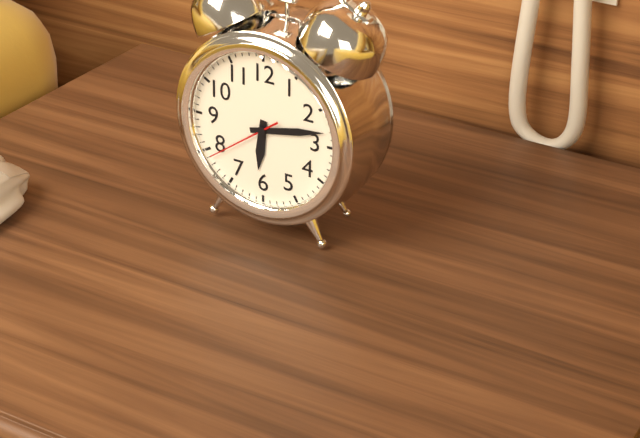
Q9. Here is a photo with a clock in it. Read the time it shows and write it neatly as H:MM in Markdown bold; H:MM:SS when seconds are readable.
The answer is **6:13:39**
